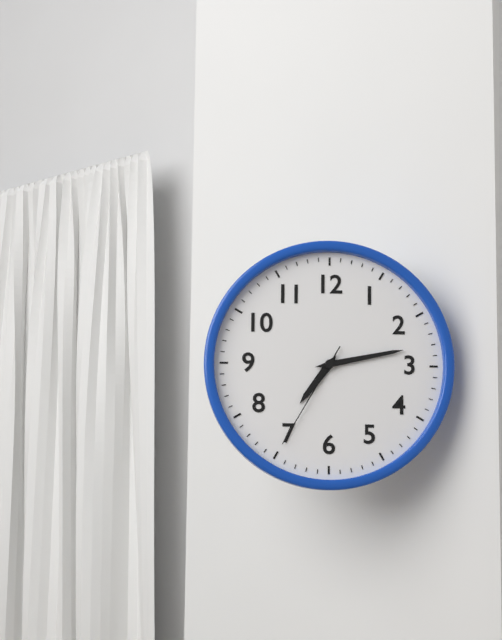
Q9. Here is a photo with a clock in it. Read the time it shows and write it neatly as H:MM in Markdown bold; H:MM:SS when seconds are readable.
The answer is **7:13:35**
